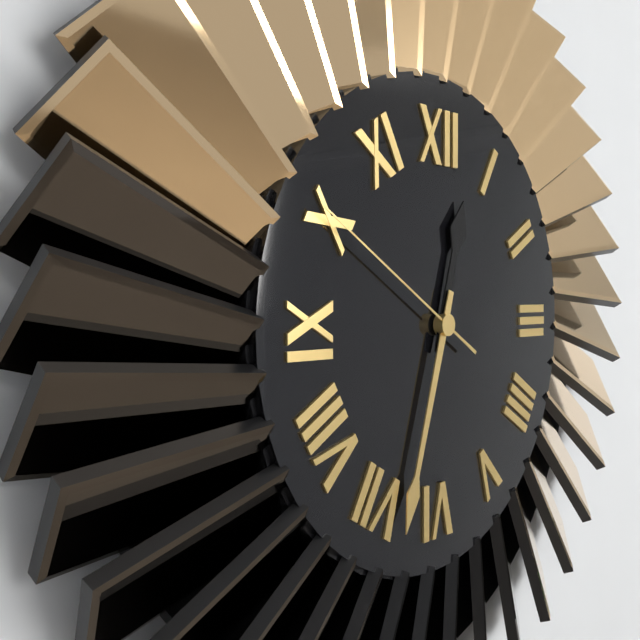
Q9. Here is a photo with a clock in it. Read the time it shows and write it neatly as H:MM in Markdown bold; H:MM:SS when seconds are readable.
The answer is **12:33:50**
